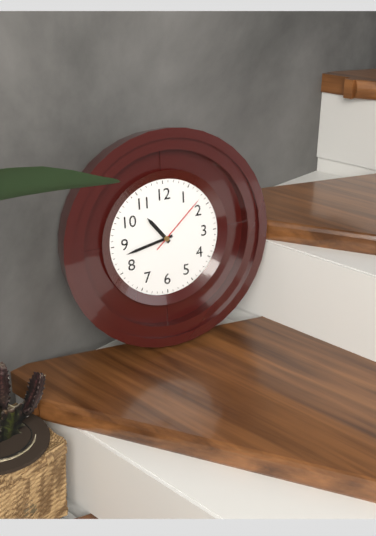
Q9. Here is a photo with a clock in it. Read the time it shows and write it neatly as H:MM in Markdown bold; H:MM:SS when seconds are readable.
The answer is **10:43:08**
